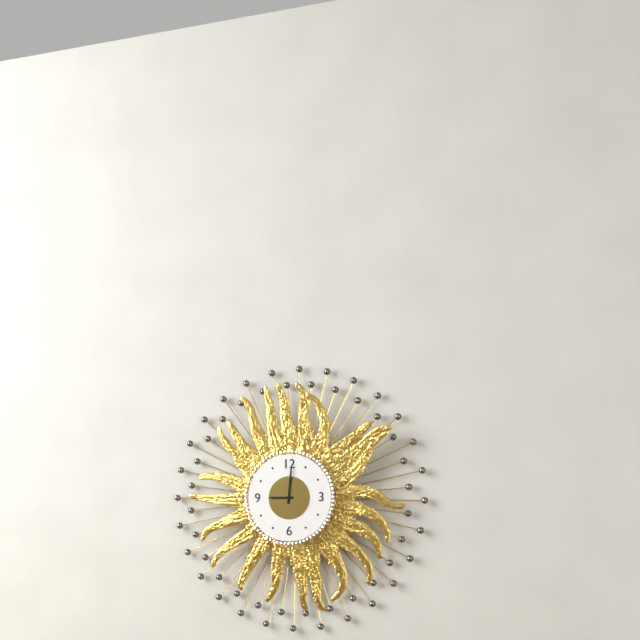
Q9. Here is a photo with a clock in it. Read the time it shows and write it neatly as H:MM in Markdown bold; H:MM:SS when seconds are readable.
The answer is **9:01**
